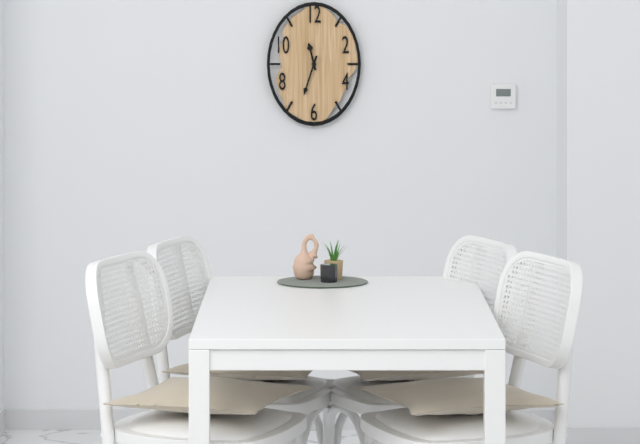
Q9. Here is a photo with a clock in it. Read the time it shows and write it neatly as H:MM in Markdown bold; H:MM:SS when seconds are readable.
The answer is **11:33**
